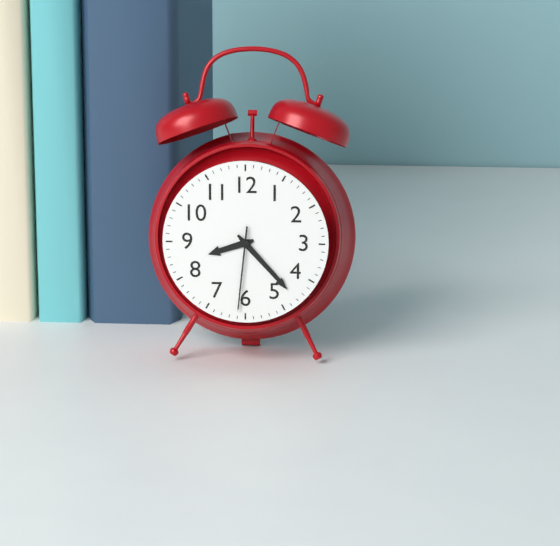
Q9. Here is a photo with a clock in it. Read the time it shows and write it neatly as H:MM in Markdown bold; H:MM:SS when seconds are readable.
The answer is **8:23:31**
